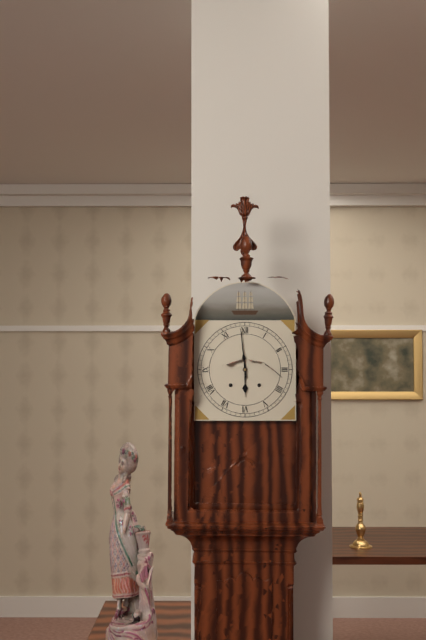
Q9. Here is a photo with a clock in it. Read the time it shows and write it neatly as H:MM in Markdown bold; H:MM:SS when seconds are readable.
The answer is **5:59**
